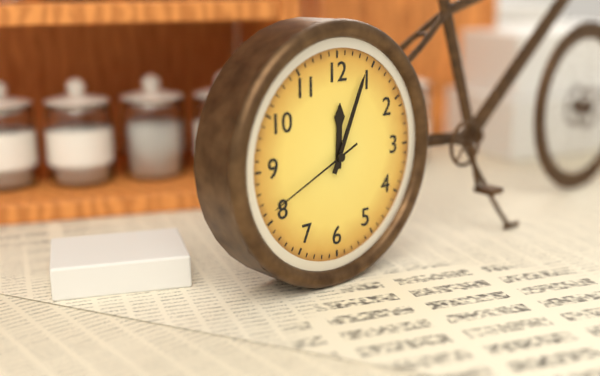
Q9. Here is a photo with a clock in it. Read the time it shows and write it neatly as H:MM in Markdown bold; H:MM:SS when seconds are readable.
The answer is **12:04:41**
